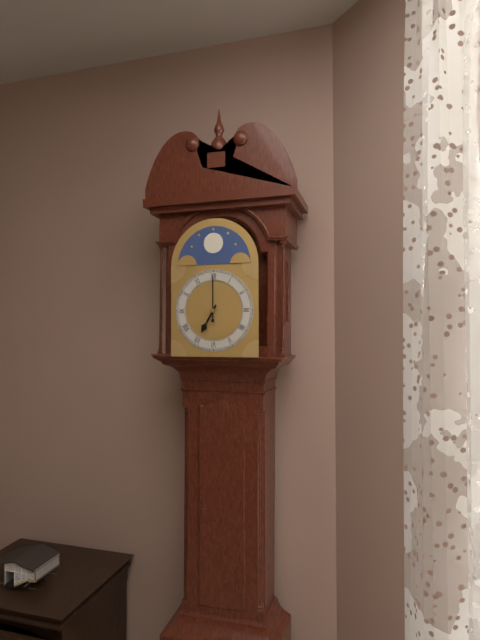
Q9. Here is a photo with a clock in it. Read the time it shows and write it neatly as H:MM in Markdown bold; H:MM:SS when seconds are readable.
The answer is **7:00**
